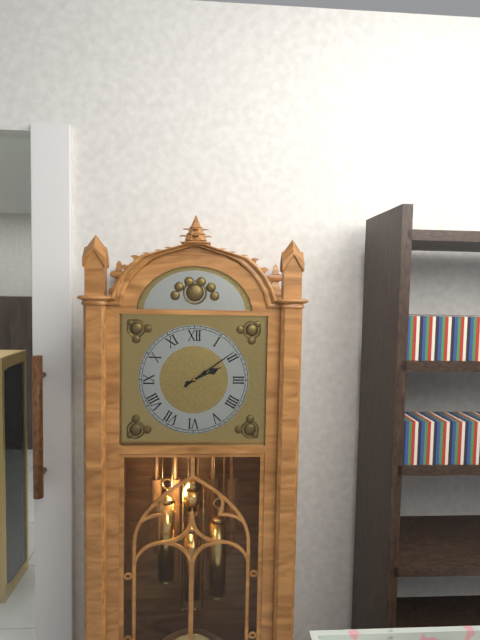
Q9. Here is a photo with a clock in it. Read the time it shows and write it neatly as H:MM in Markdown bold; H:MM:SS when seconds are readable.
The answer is **2:09**
